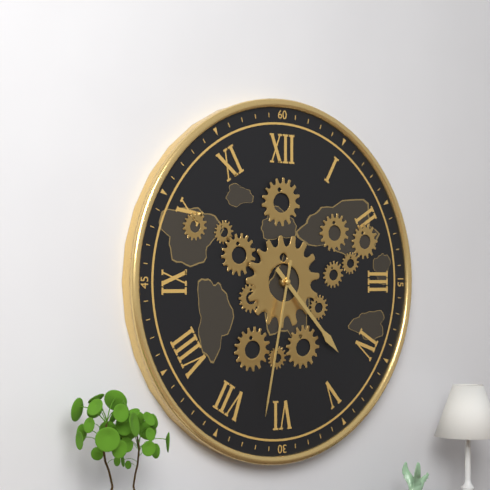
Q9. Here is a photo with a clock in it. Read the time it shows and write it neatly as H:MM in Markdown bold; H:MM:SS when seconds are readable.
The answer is **4:32**
